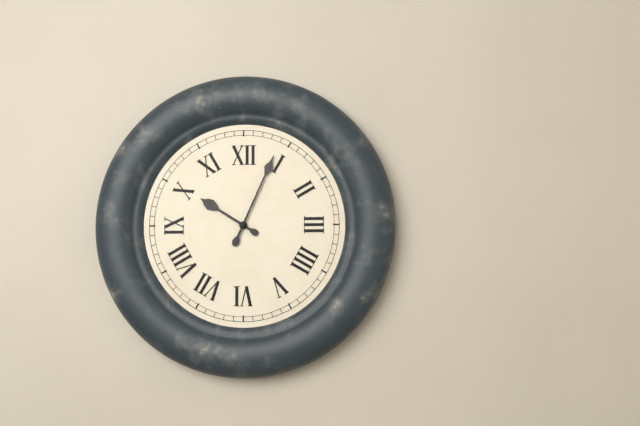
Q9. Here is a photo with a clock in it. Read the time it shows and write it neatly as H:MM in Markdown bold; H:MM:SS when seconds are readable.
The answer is **10:04**
